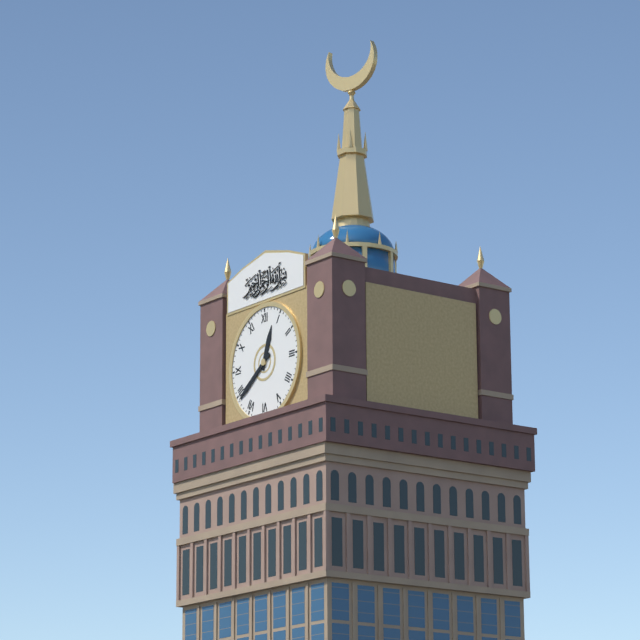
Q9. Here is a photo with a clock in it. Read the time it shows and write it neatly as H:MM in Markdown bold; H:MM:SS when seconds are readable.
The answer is **12:39**
